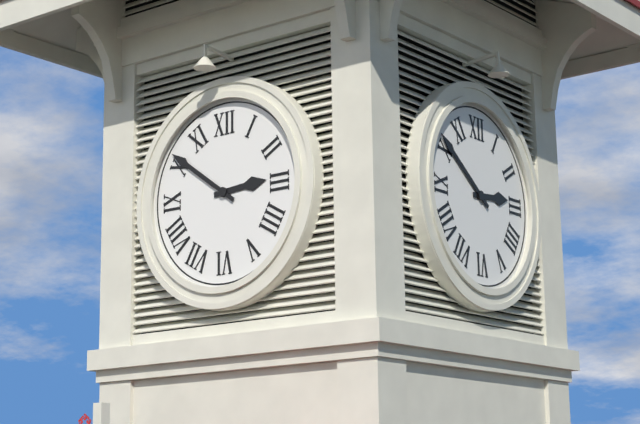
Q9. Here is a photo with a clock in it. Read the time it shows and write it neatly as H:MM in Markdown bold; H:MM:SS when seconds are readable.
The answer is **2:51**
